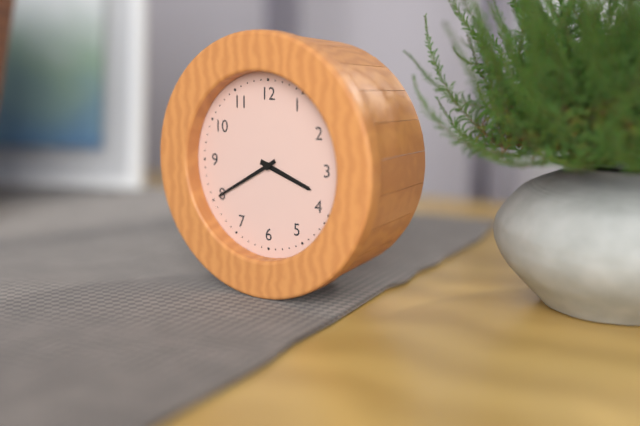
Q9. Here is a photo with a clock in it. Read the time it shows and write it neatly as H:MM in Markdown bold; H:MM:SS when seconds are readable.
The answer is **3:40**
